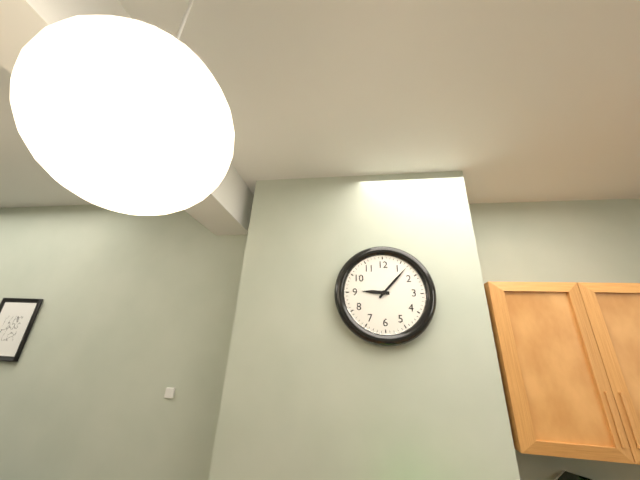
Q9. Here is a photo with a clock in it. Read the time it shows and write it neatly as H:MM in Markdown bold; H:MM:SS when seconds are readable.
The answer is **9:07**
